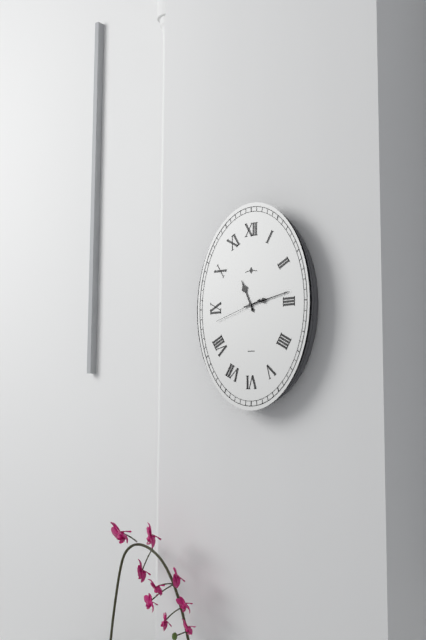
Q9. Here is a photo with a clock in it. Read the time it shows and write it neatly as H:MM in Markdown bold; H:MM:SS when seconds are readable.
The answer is **11:13**
